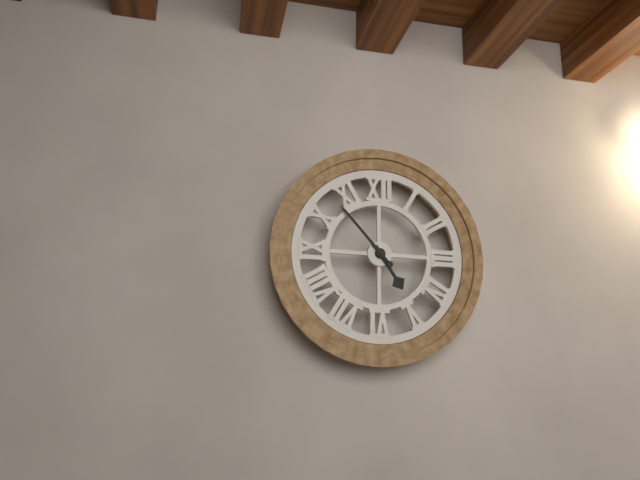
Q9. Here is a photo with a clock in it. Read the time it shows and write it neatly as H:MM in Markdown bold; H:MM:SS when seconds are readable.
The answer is **4:53**
